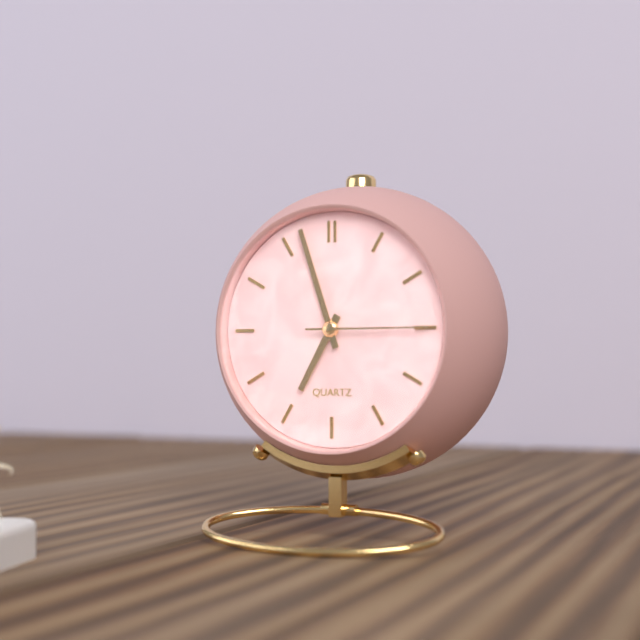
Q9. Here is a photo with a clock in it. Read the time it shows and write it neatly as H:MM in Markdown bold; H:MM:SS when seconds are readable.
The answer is **6:57:15**
